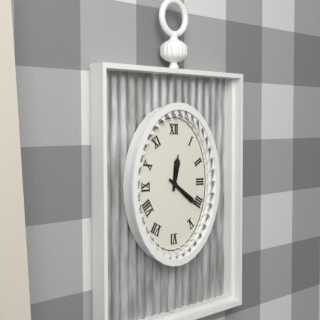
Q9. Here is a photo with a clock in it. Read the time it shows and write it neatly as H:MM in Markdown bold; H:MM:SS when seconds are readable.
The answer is **12:21**
